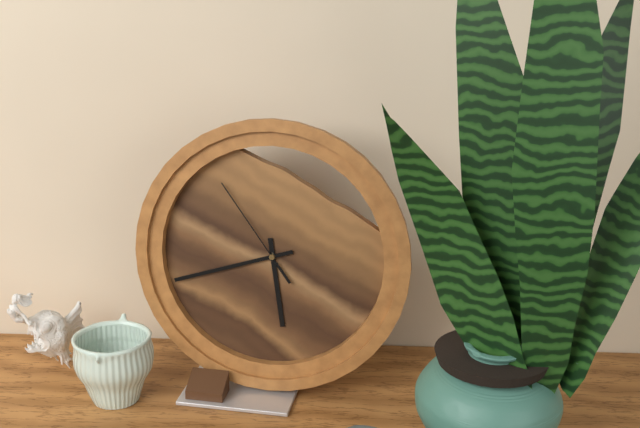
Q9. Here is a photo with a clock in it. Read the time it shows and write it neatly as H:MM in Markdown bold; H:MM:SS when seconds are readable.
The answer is **5:42:54**
